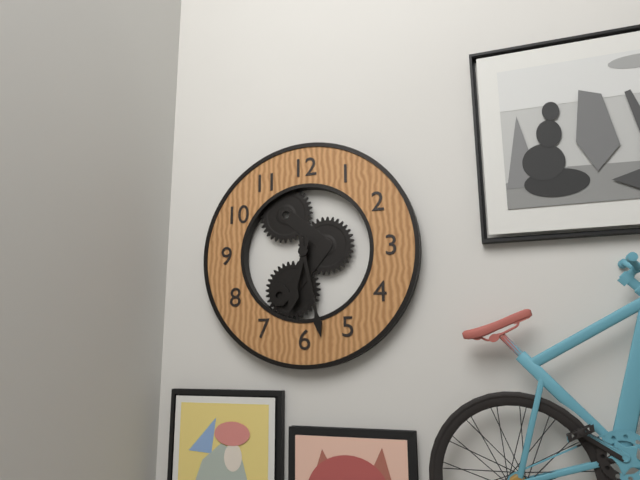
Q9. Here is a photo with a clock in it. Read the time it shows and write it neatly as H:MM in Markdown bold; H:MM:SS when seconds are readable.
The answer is **6:28**
